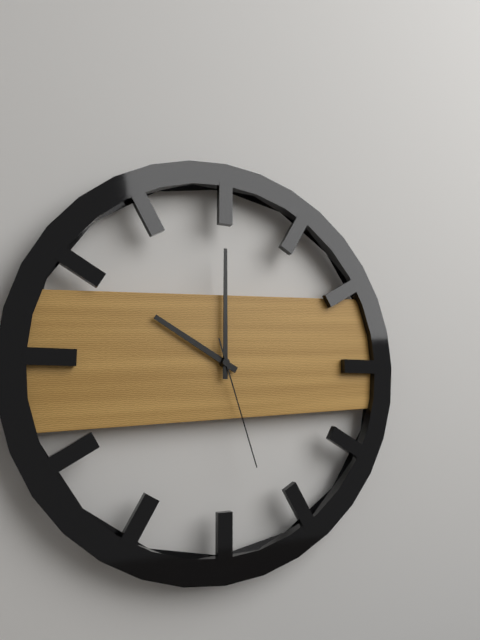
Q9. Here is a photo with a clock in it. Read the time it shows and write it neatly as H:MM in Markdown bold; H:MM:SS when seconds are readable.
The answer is **10:00:27**
